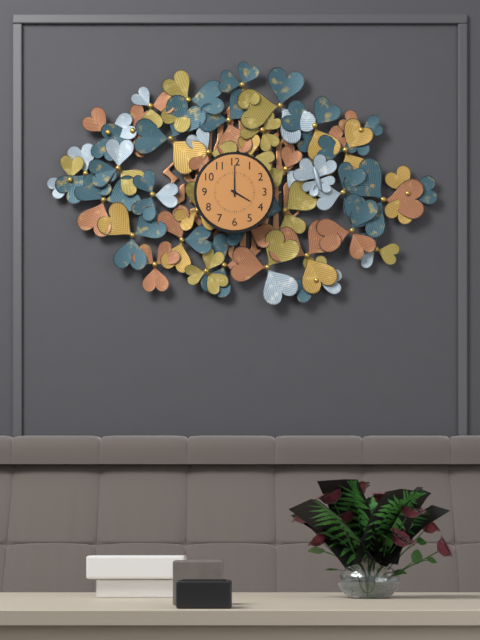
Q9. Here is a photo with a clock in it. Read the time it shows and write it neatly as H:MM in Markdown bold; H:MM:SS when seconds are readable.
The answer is **4:00**
